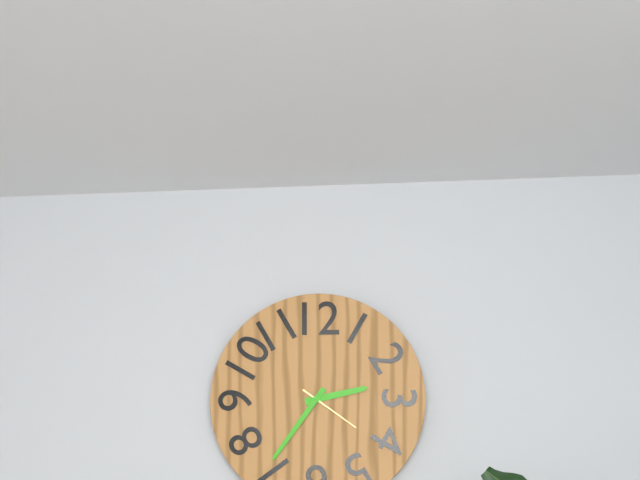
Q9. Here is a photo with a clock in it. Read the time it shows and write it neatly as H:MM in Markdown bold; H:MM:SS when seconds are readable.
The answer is **2:36:21**
